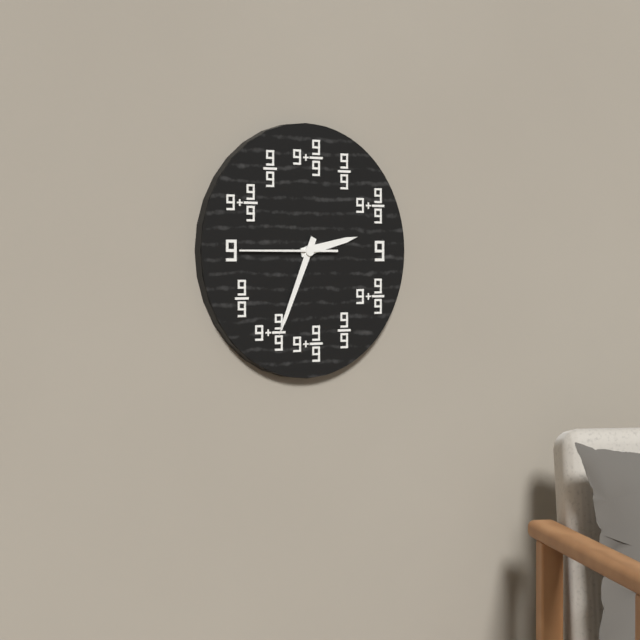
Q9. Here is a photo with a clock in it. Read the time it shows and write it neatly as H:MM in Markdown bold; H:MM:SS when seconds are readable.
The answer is **2:34:45**
